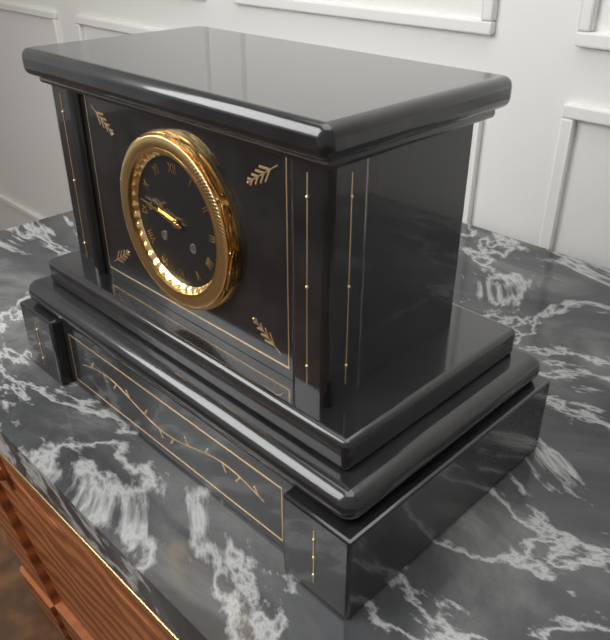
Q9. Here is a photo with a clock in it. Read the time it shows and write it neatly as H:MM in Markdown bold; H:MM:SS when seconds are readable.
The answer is **9:47**
